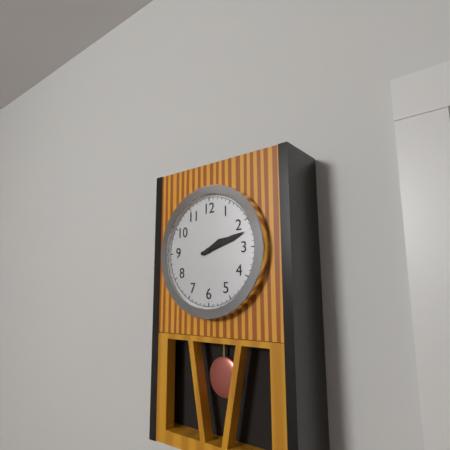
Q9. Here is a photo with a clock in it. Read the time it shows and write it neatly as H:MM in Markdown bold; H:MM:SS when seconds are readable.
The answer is **2:12**
